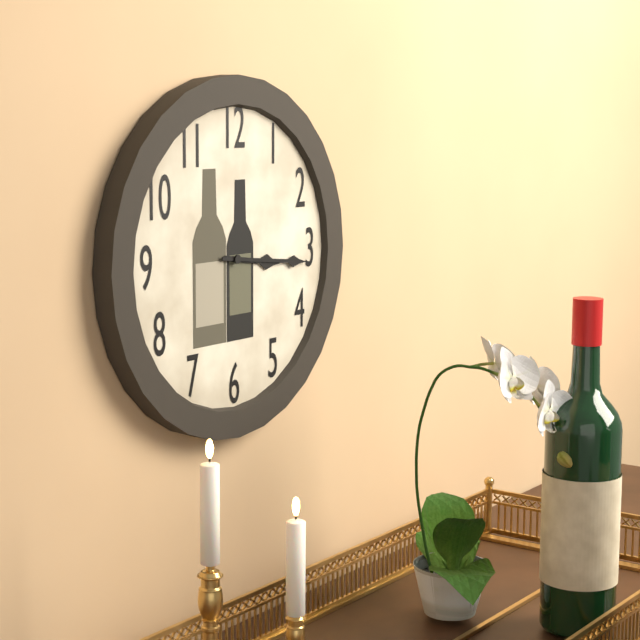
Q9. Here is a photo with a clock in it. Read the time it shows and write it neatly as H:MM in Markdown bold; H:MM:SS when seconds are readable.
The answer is **3:16**
